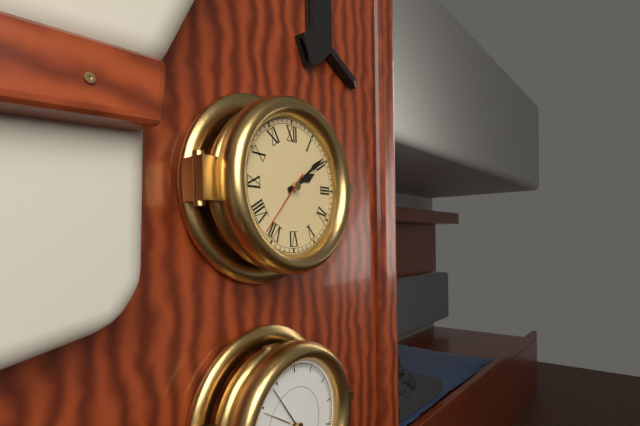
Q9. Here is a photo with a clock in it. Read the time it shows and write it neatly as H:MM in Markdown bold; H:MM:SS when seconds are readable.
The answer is **2:09:37**
